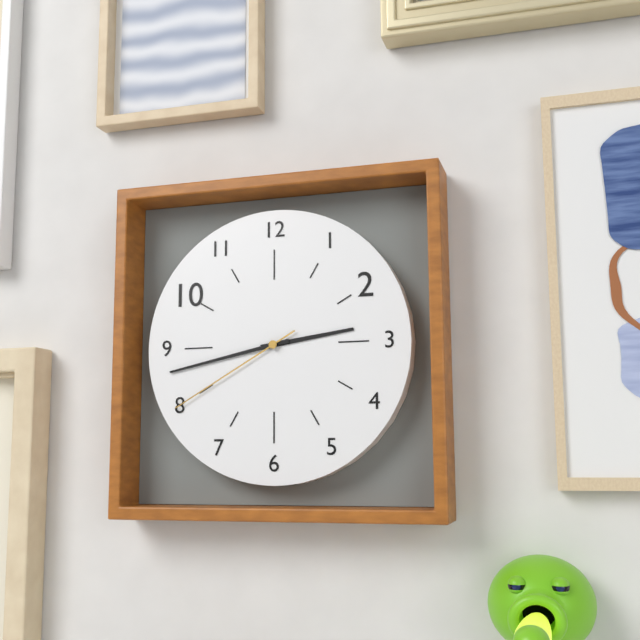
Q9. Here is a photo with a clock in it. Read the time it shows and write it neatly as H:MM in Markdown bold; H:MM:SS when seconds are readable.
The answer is **2:43:40**
